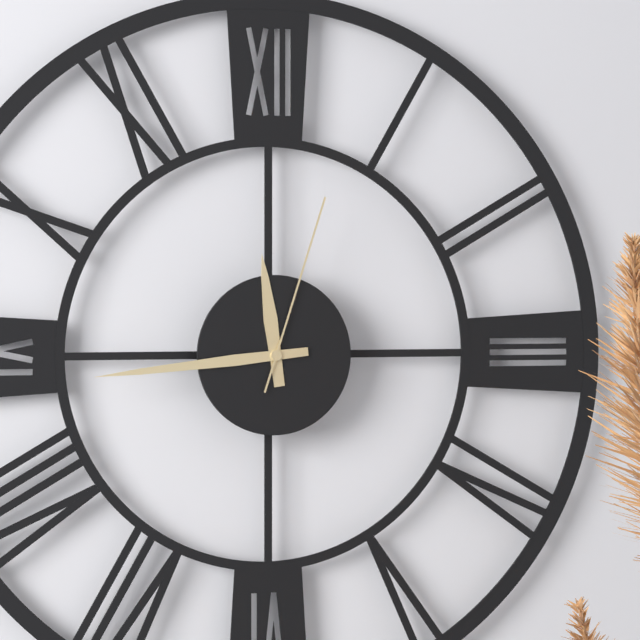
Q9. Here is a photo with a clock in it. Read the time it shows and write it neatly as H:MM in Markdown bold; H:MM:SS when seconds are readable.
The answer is **11:44:03**
